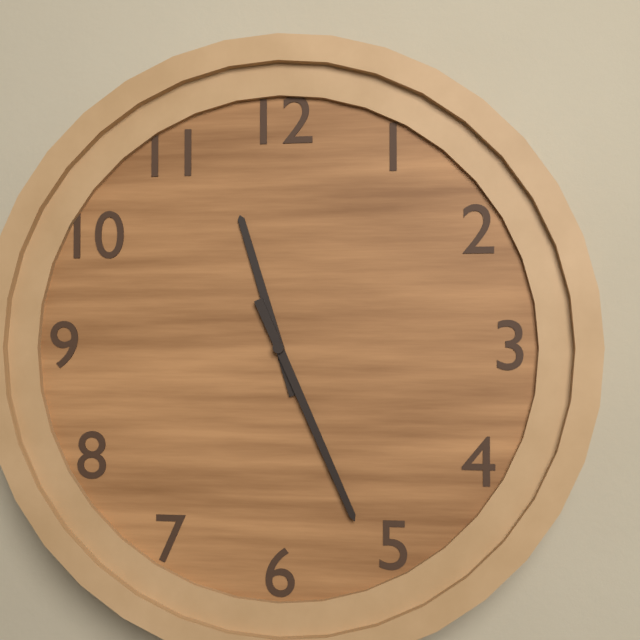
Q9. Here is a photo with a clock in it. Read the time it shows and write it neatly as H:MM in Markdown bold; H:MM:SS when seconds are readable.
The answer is **11:26**
